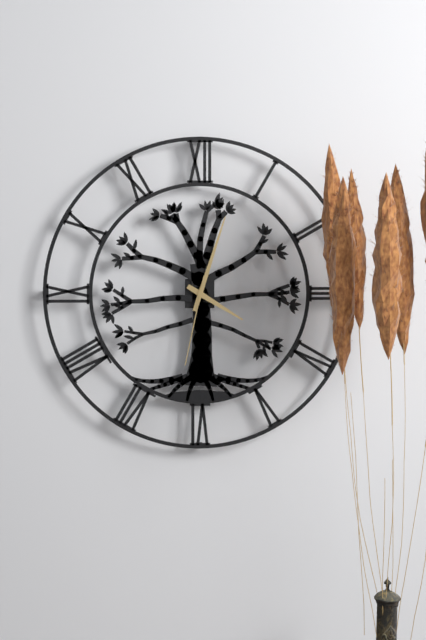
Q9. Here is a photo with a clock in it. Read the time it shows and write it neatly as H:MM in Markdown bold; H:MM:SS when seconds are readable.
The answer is **4:03:32**
